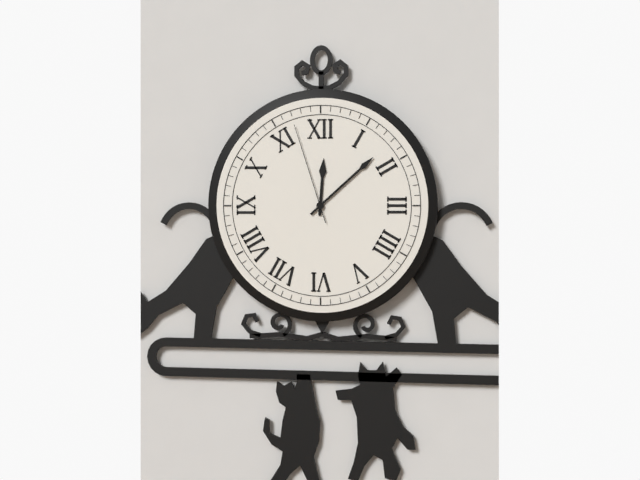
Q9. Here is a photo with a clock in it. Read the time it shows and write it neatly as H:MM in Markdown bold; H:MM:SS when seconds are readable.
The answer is **12:08:57**
